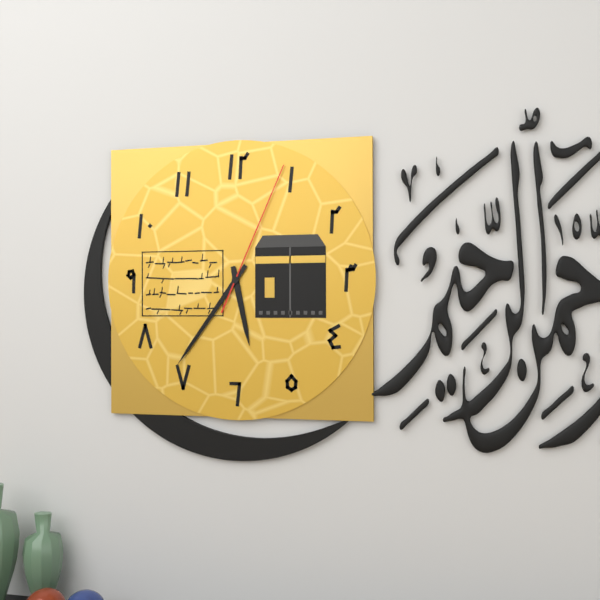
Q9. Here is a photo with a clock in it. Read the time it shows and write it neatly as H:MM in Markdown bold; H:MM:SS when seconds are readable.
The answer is **5:36:04**
